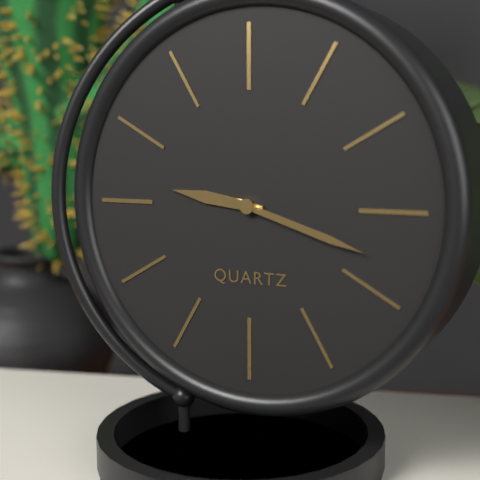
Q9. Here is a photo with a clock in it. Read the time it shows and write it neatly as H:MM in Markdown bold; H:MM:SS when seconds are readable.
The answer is **9:18**
